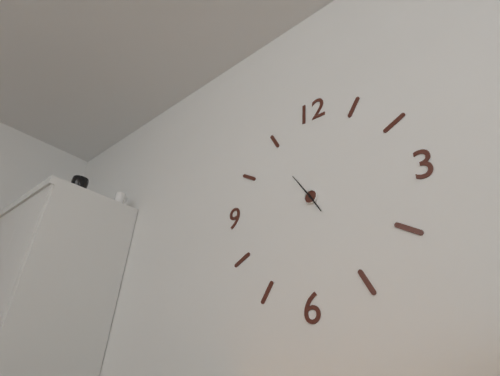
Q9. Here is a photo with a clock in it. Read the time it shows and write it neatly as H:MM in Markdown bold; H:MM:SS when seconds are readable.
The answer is **4:54**
